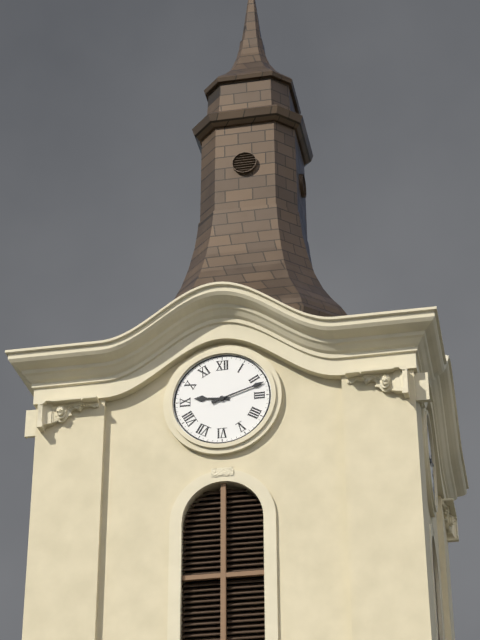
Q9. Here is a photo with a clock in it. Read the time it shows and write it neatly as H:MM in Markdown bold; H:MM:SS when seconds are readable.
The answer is **9:12**
